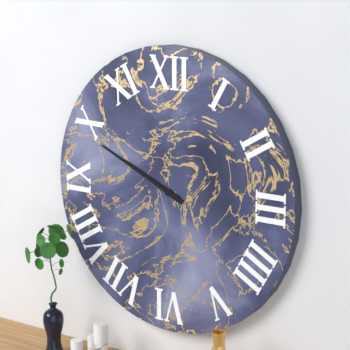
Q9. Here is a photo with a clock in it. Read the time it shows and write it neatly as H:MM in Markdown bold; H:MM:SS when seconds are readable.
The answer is **9:49**
